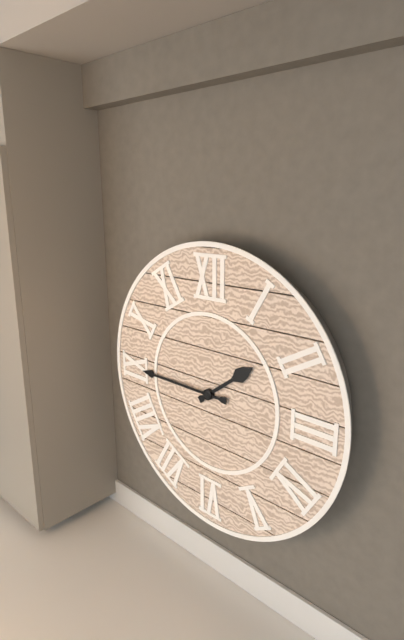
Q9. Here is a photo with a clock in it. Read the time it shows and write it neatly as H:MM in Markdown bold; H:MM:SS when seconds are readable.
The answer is **1:45**
